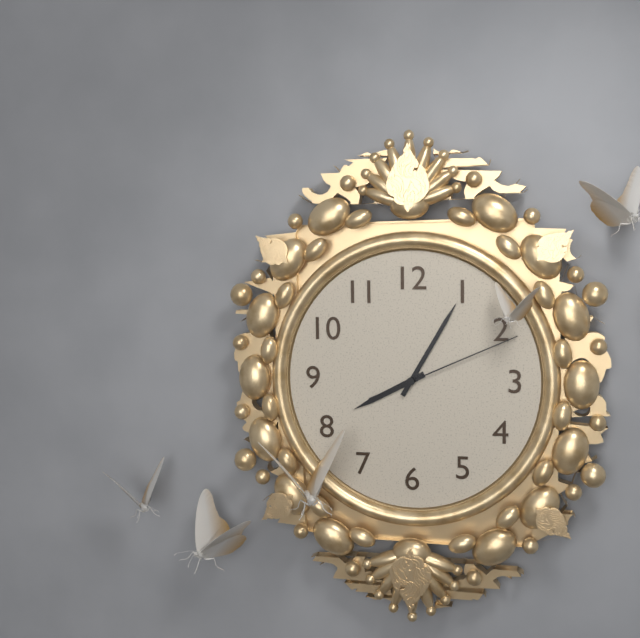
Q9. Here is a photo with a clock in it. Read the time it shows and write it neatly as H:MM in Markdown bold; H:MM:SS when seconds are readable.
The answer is **8:05:11**
